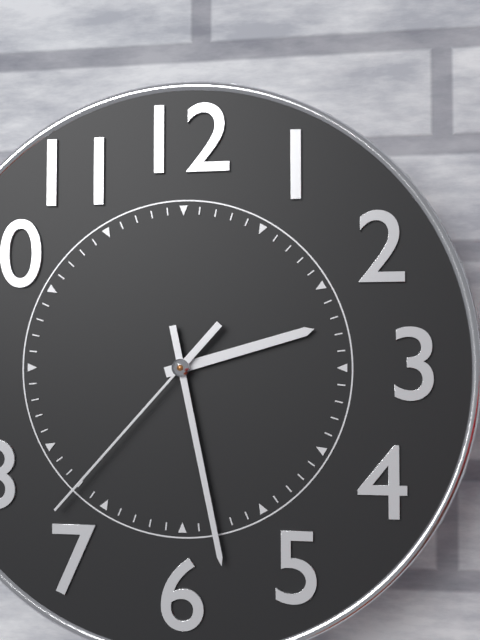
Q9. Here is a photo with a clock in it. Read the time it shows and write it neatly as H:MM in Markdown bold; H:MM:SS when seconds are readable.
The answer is **2:28:37**
